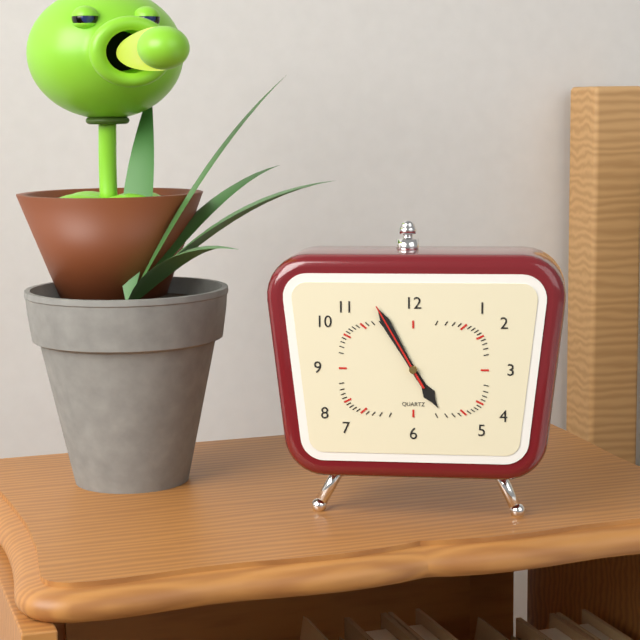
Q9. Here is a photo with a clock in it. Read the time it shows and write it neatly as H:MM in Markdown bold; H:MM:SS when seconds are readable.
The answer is **4:55:55**
